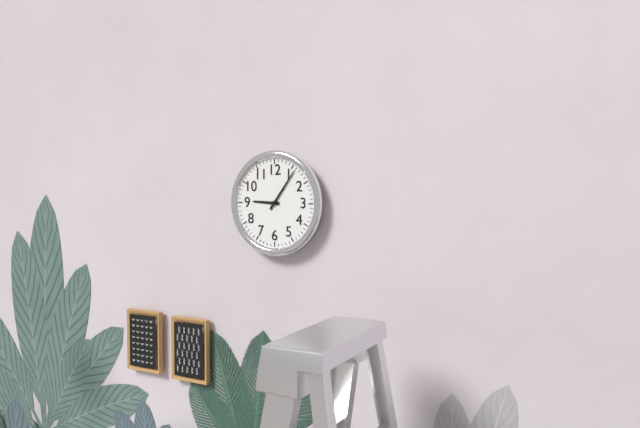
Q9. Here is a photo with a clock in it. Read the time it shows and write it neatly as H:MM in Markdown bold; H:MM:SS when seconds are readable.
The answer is **9:06**
